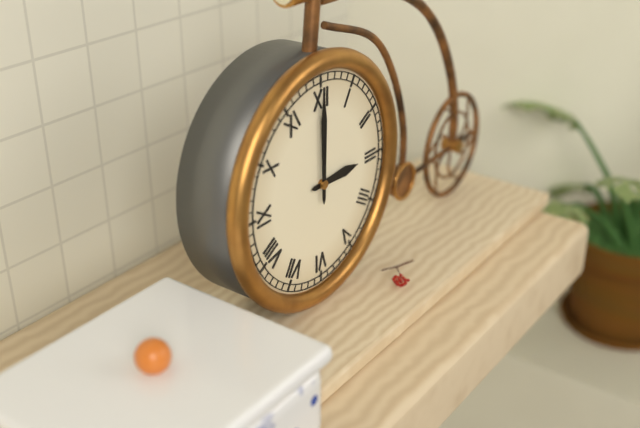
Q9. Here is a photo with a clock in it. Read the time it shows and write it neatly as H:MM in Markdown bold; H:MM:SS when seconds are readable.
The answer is **3:00**
